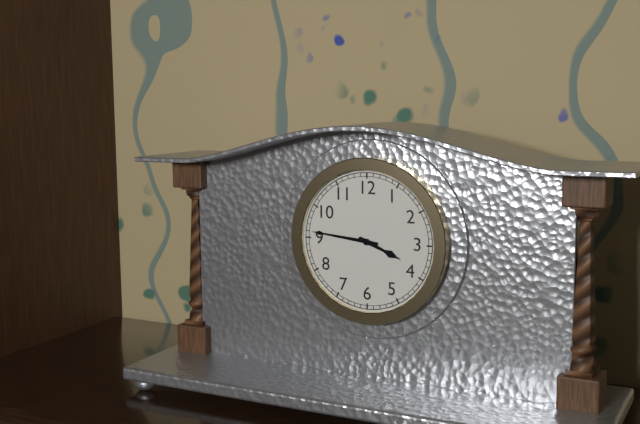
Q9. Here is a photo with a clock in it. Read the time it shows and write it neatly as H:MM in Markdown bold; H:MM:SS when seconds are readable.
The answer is **3:46**
